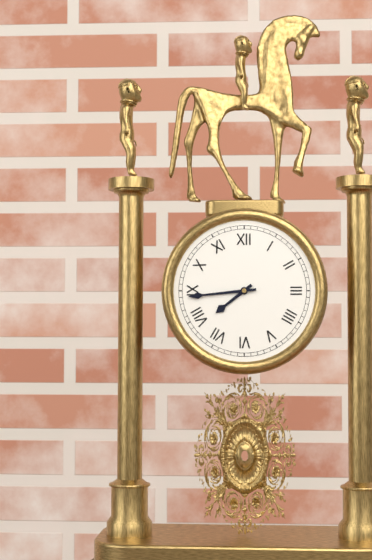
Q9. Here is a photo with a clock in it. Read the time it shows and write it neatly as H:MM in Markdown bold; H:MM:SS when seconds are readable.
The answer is **7:44**
